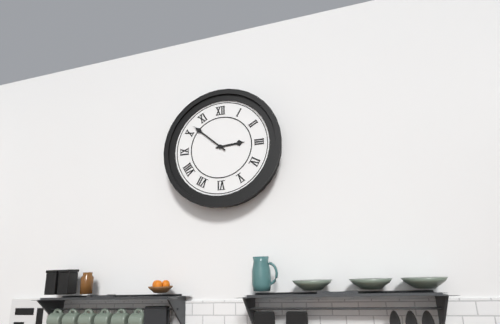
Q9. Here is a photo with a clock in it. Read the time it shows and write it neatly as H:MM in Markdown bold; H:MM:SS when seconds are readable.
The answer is **2:52**
